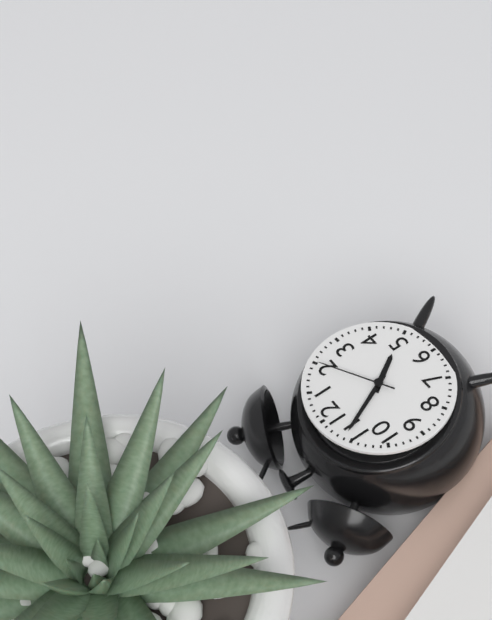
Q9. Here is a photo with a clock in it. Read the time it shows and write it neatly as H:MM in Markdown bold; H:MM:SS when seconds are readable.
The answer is **4:56:10**
